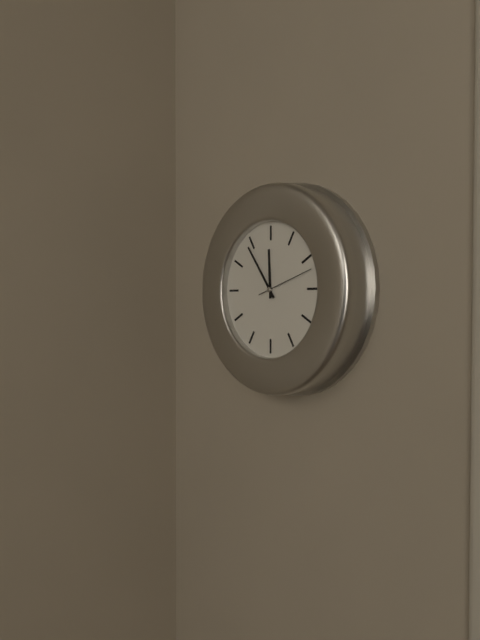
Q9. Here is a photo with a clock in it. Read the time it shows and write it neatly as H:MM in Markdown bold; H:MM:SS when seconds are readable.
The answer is **11:54:12**
